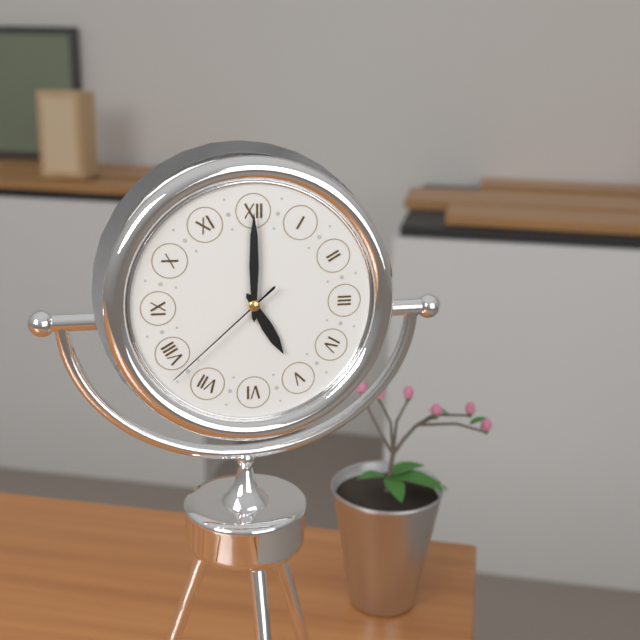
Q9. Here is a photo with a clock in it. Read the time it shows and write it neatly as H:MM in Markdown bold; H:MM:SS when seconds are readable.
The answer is **5:00:38**
